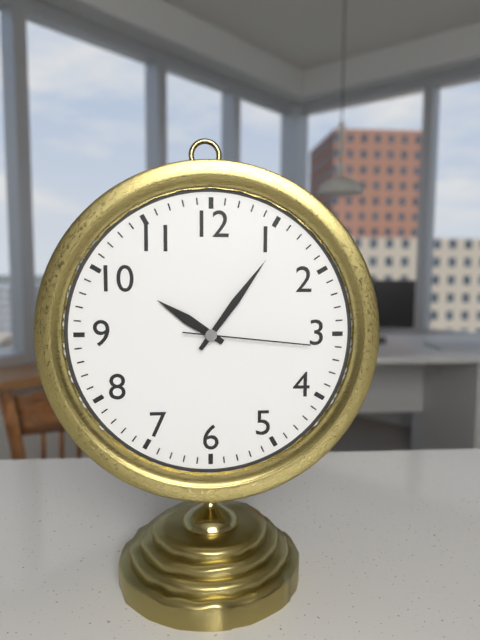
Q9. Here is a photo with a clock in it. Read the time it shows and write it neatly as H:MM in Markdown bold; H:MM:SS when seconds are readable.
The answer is **10:06:16**
